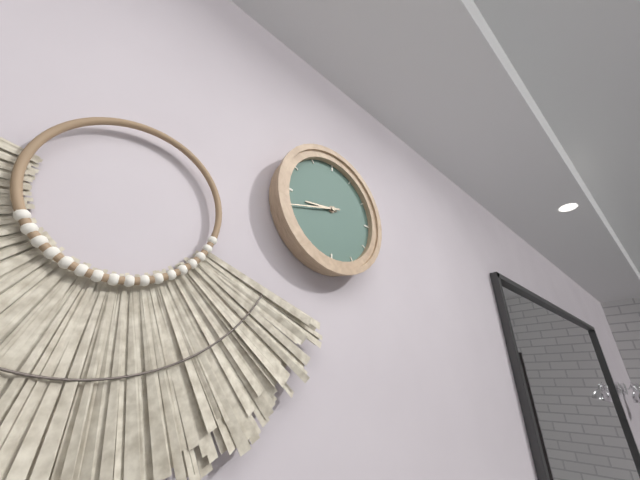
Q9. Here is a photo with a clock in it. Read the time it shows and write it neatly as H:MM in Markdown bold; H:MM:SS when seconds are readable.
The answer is **8:42**
